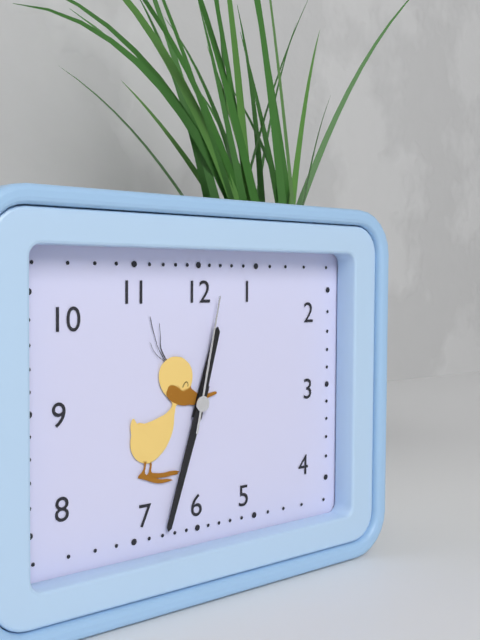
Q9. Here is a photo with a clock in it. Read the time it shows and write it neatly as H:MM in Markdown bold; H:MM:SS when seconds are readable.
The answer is **12:33:02**
